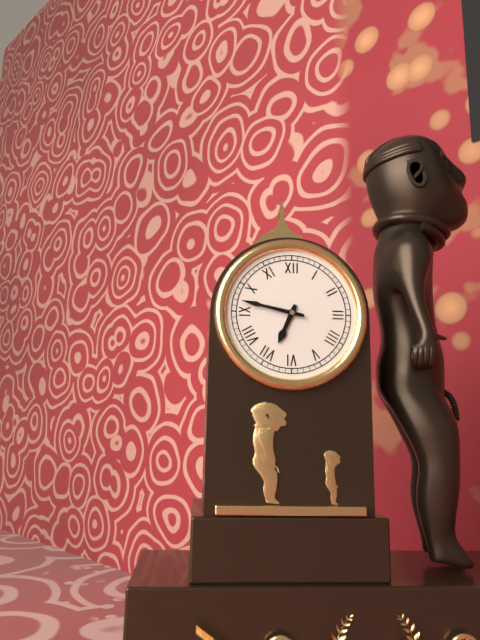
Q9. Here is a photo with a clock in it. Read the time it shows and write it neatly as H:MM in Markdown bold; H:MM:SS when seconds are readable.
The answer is **6:47**
